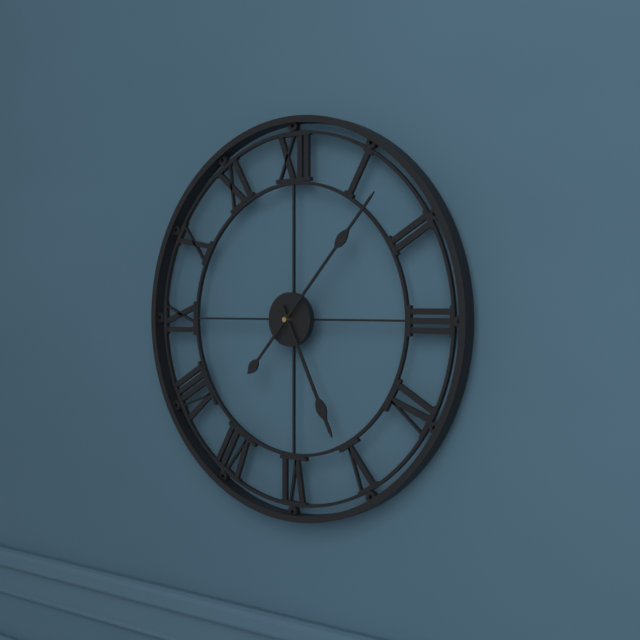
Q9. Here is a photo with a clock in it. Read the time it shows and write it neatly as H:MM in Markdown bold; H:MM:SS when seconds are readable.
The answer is **5:07**
